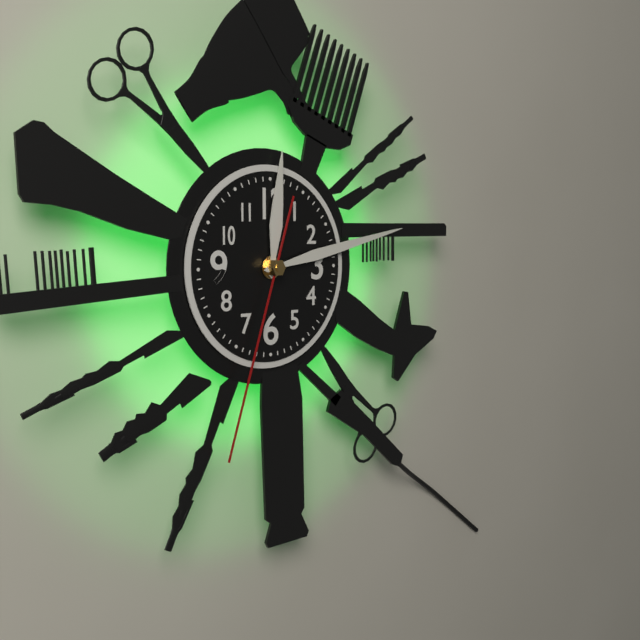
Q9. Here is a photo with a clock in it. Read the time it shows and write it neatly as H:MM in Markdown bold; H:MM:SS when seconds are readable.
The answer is **12:13:33**
